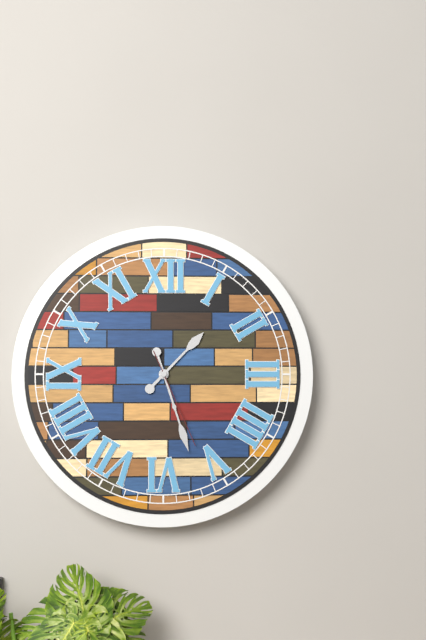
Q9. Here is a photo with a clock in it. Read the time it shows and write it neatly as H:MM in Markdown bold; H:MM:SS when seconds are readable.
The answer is **1:27:26**
